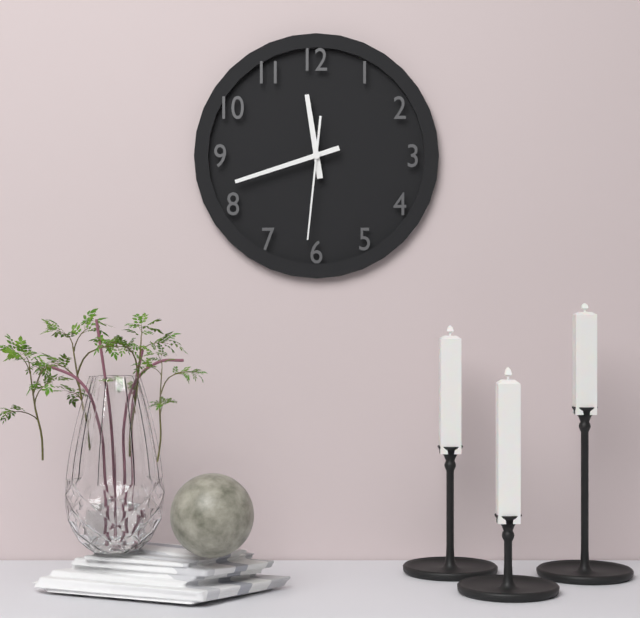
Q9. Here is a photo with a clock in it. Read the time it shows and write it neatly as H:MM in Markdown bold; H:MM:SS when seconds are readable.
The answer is **11:42:31**
